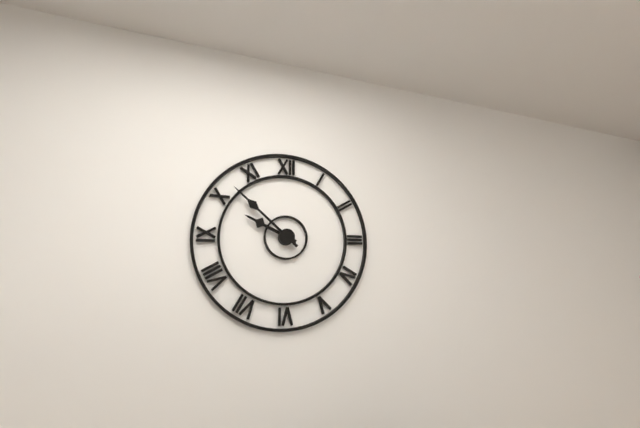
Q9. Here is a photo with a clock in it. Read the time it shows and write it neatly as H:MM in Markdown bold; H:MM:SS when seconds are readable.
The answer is **9:52**
